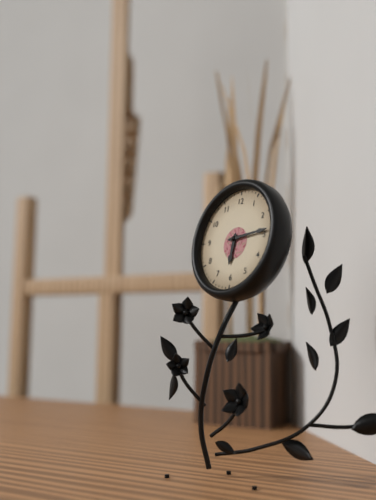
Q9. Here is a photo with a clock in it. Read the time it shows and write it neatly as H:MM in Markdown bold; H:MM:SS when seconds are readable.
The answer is **6:14**
